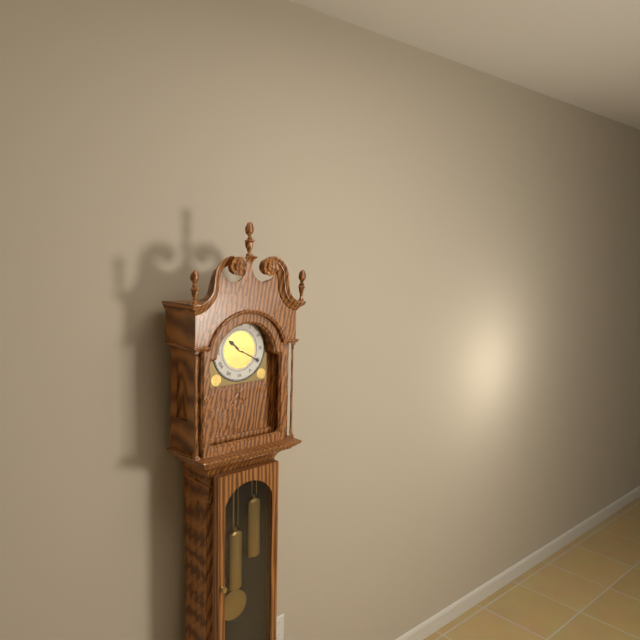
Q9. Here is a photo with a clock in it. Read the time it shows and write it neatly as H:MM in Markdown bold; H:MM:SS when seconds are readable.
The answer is **10:20**
